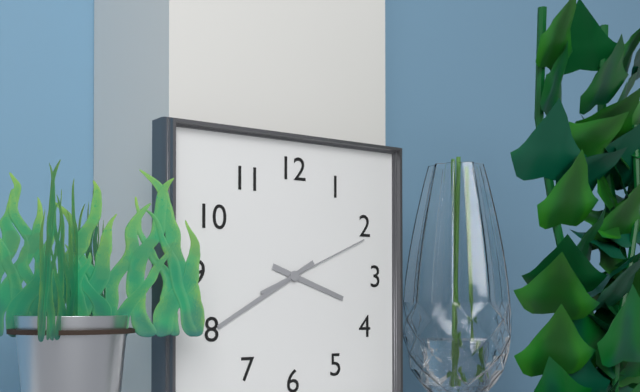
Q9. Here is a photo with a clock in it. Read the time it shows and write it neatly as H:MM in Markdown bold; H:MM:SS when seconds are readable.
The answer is **3:40:11**
